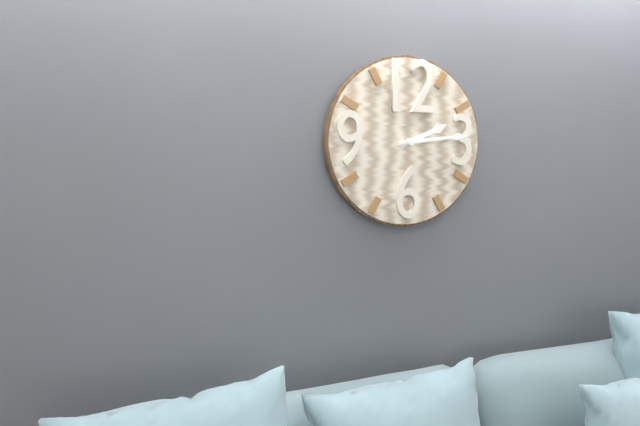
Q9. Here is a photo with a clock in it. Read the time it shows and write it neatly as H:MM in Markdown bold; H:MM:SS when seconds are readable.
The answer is **2:14**
